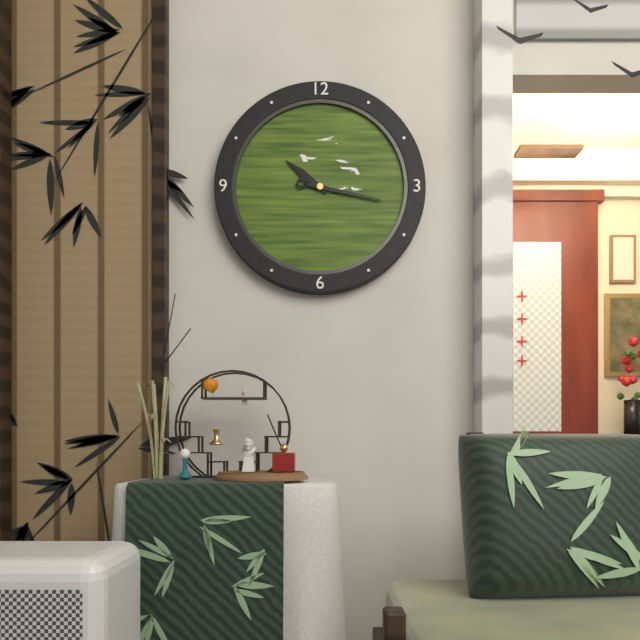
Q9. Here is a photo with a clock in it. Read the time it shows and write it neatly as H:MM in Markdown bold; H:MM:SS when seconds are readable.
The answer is **10:17**
